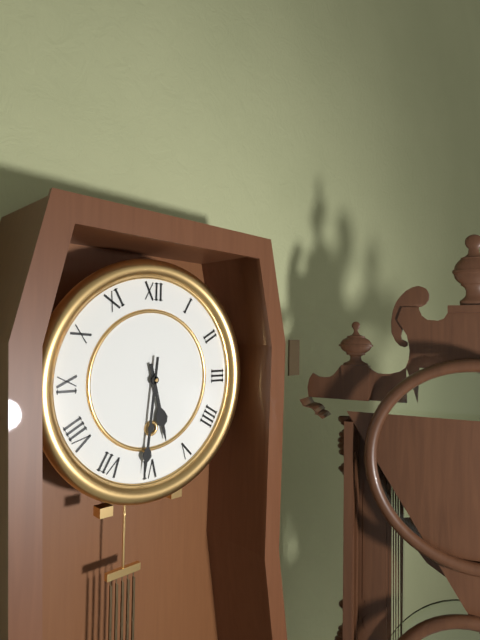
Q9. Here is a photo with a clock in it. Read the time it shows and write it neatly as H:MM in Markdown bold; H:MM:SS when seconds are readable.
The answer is **5:31**
